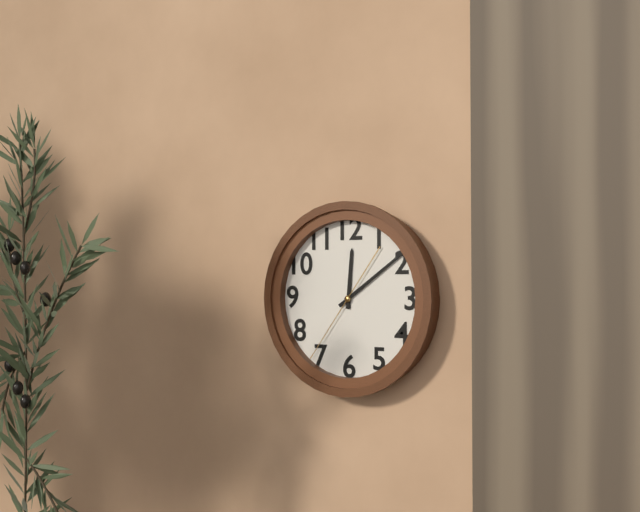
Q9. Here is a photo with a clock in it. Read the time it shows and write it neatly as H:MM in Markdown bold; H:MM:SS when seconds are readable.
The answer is **12:09:36**
